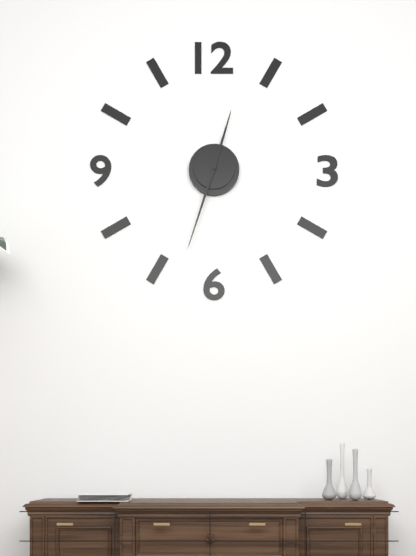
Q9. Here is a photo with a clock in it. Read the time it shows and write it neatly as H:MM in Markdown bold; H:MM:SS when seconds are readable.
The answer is **12:33**
